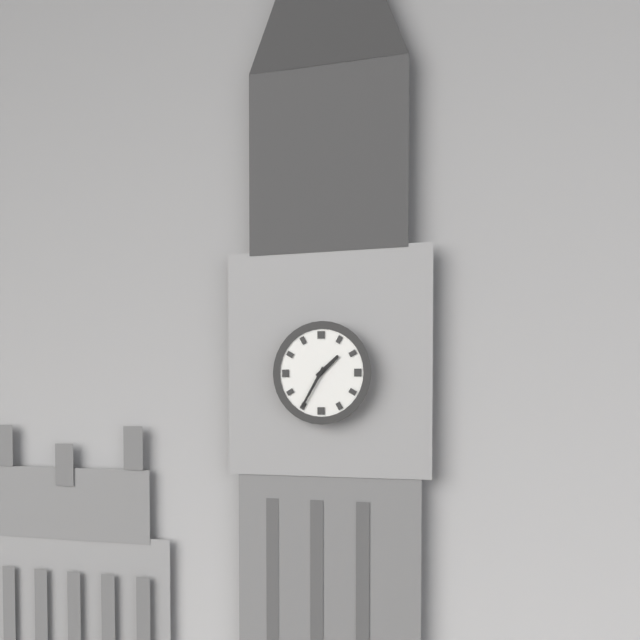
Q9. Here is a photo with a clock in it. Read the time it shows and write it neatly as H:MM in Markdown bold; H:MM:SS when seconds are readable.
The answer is **1:35**
